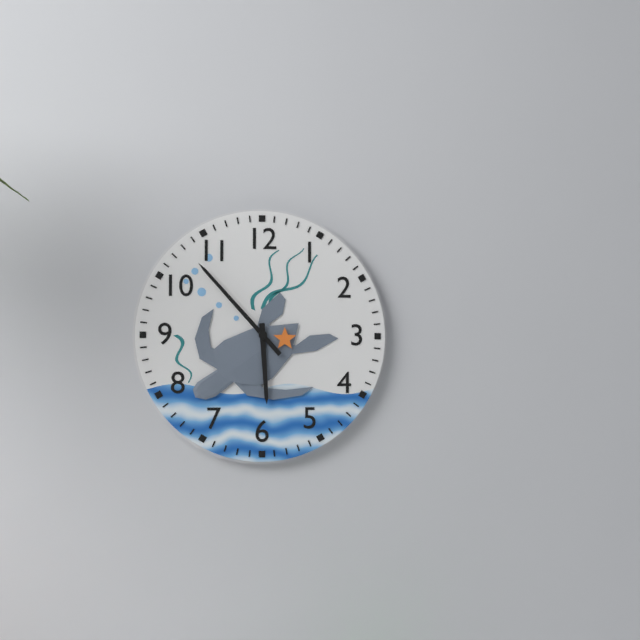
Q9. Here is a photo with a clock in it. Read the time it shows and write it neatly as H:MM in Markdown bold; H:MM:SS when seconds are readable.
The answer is **5:53**
